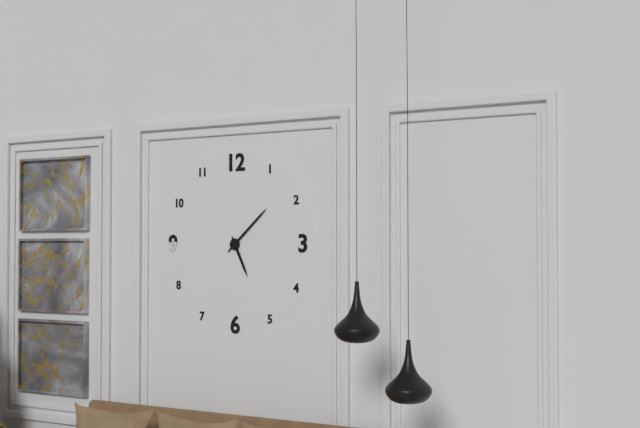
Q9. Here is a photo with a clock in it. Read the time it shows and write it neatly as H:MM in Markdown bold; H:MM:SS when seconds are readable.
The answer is **5:08**
